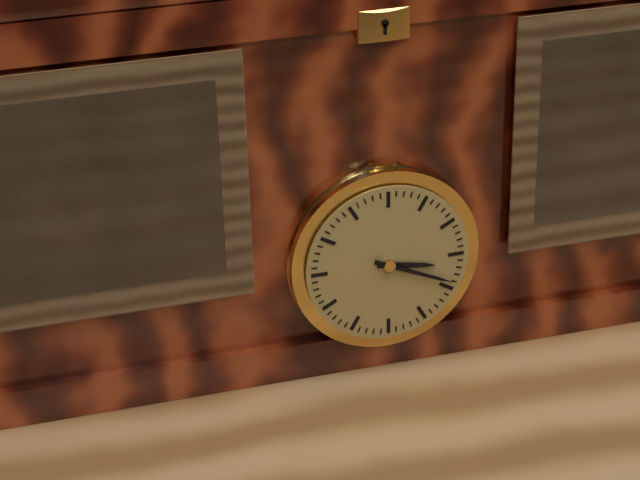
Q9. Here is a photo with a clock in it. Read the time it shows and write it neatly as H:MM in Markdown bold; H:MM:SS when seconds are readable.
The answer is **3:19**
